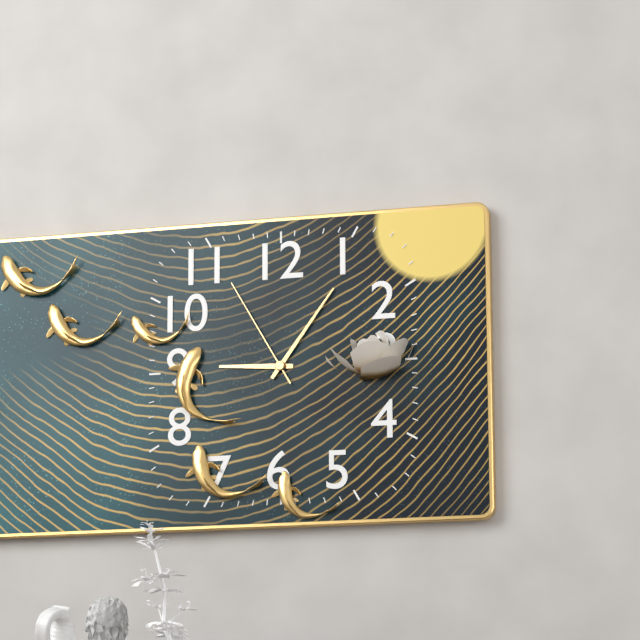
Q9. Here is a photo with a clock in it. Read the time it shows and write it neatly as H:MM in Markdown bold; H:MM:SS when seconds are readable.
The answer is **9:06:55**
